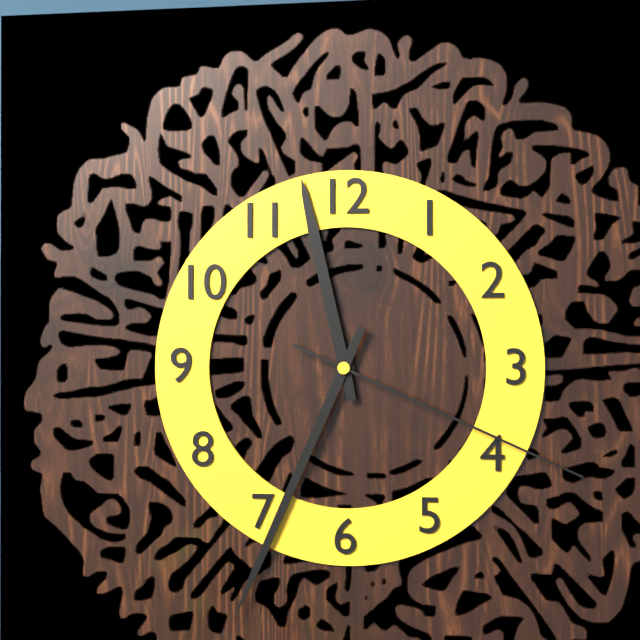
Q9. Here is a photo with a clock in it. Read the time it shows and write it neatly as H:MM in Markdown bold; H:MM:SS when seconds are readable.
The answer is **11:34:19**
